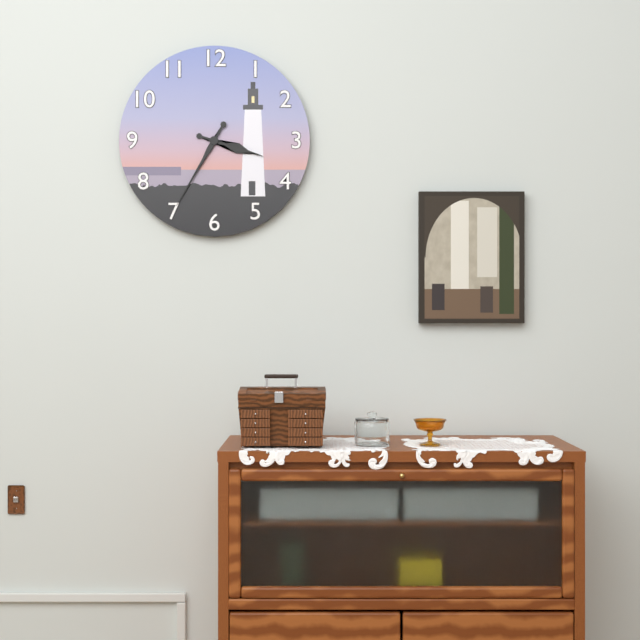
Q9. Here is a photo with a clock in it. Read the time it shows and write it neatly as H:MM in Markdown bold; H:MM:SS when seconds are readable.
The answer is **3:35**
